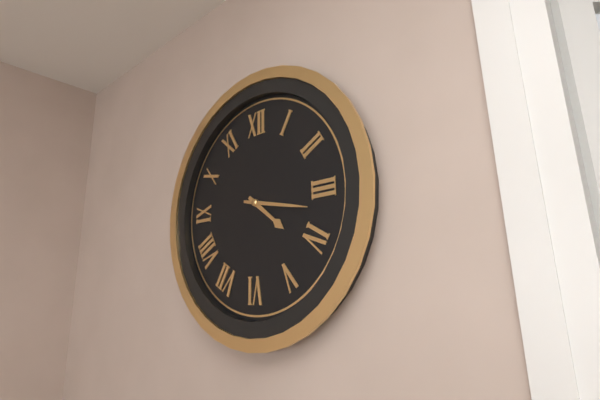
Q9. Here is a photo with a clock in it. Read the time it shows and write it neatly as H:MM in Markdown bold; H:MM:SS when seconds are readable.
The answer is **4:17**
